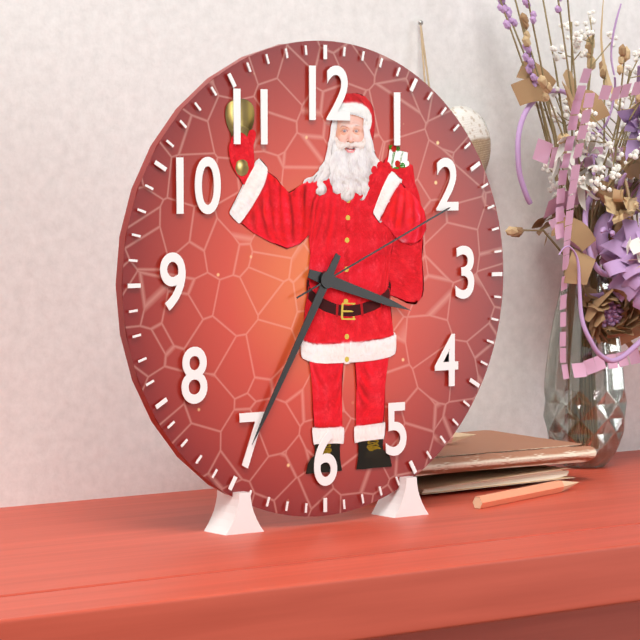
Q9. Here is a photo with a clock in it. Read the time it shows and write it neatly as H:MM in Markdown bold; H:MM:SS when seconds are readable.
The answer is **3:35:11**
